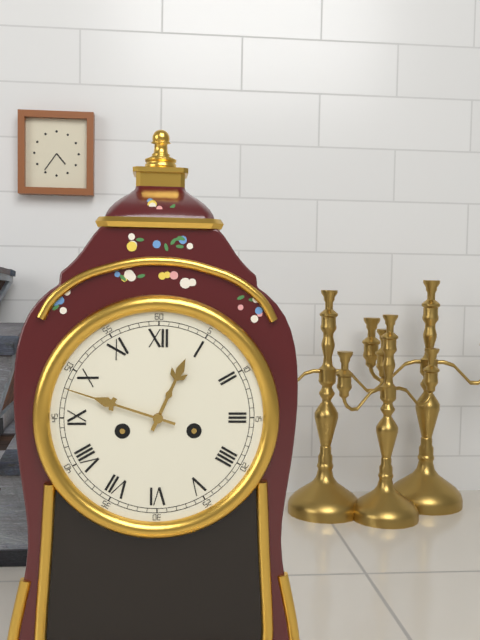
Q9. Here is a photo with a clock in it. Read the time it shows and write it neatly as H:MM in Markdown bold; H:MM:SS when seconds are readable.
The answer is **12:48**
